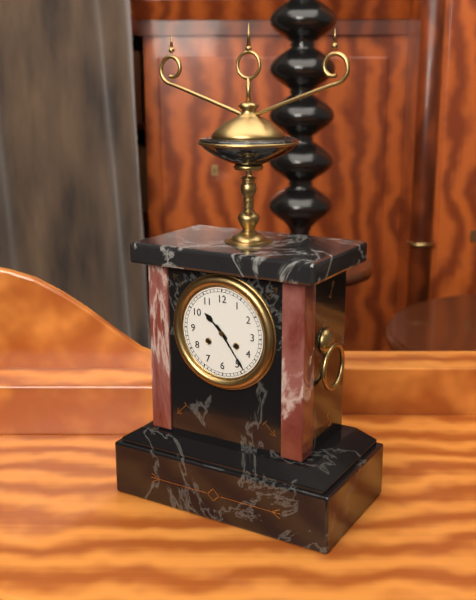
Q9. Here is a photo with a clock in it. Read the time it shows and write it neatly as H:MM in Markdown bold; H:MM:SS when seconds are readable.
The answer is **10:24**
